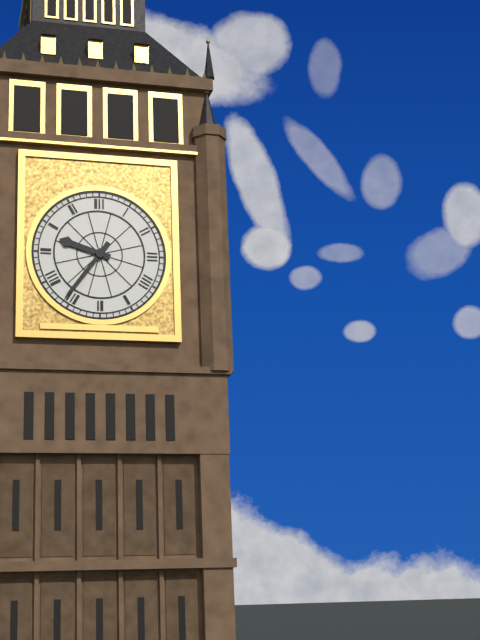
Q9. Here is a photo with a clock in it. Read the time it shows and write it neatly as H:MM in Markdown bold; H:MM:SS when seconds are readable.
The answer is **9:36**
